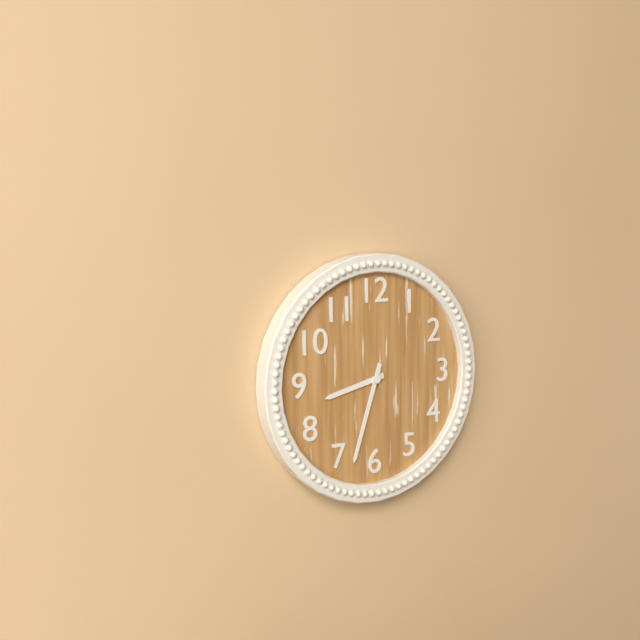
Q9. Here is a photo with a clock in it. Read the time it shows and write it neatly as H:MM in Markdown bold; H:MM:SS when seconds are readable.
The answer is **8:33**
